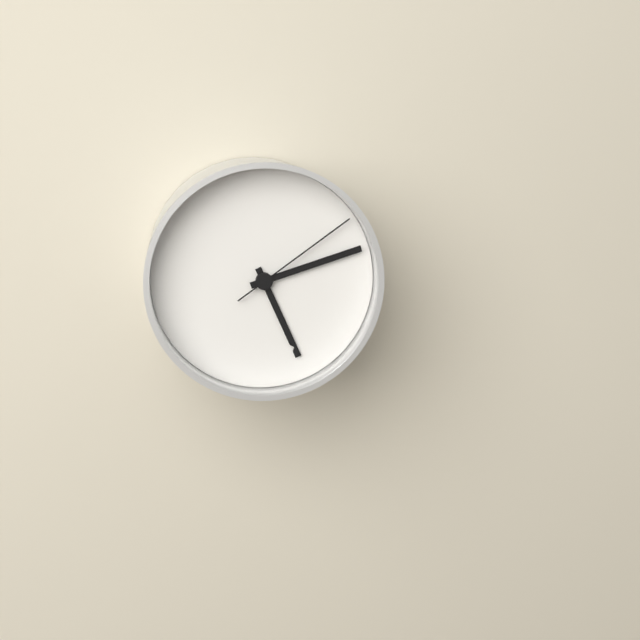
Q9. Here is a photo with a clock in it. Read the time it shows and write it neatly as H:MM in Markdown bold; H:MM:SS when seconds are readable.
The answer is **5:12:09**
